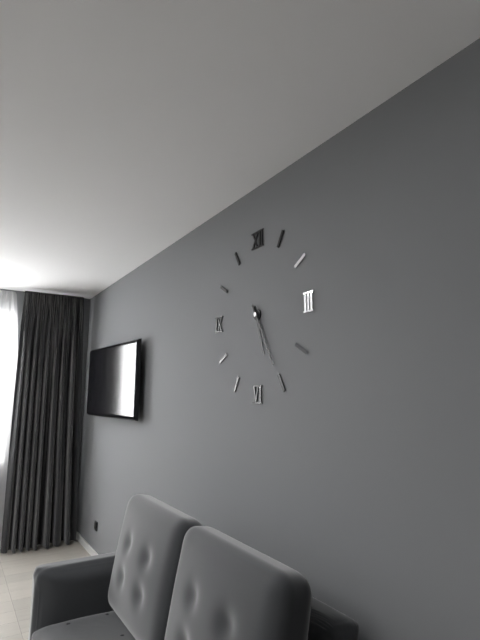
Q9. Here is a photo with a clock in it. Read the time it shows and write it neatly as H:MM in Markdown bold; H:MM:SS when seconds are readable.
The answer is **5:25**
